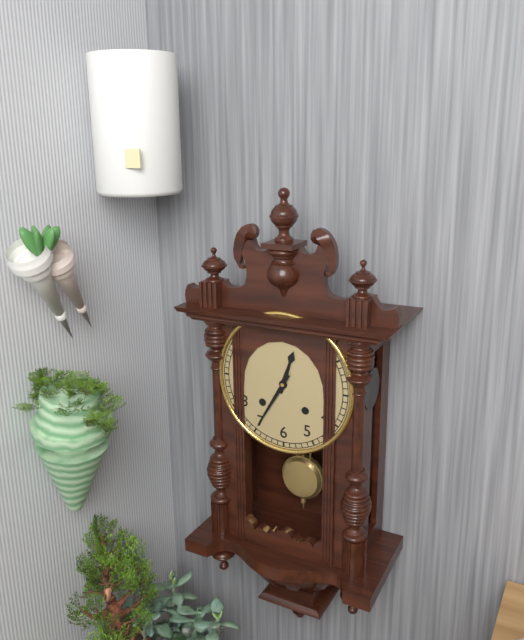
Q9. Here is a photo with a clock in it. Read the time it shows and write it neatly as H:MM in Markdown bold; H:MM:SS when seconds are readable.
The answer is **12:35**
